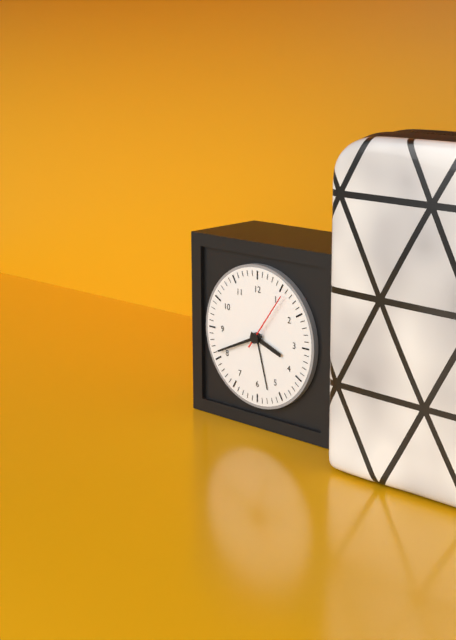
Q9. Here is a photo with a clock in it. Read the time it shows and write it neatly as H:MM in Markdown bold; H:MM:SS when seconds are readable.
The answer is **3:41:06**
